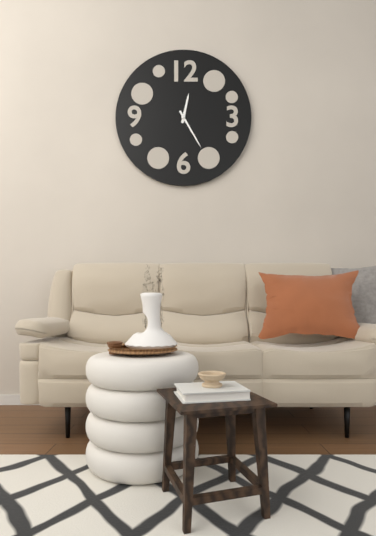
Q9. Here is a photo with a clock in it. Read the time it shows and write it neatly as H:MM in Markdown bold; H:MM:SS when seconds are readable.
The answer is **12:25**
